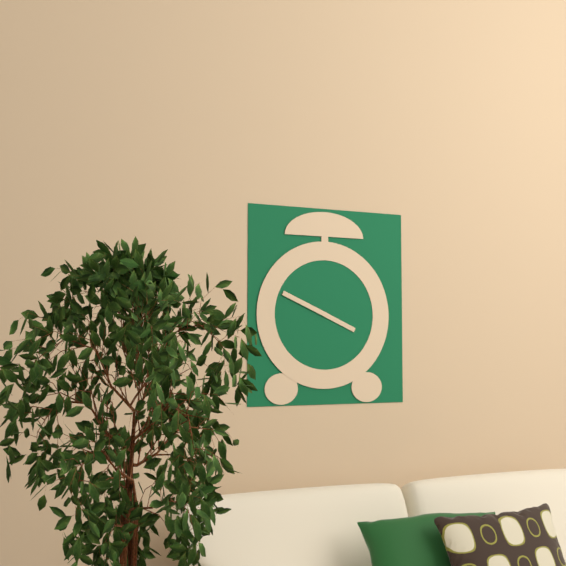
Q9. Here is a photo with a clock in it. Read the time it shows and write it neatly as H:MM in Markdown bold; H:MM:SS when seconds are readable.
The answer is **3:49**
